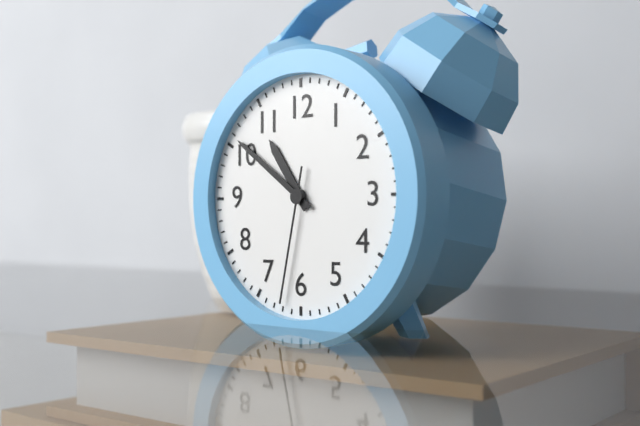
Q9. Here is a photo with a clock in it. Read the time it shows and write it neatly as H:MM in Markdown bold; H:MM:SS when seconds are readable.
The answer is **10:51:32**
